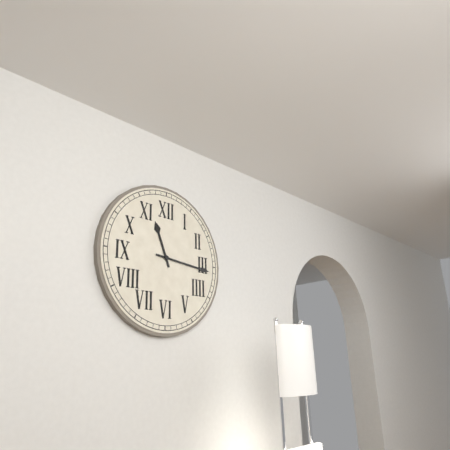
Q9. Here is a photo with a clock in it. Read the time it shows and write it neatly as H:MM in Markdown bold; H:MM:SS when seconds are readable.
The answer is **11:16**
